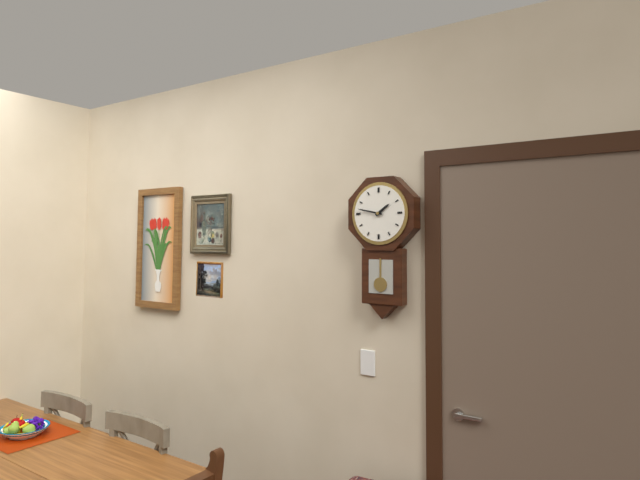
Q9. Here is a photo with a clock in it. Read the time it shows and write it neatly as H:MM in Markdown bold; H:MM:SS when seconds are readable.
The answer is **1:47**
